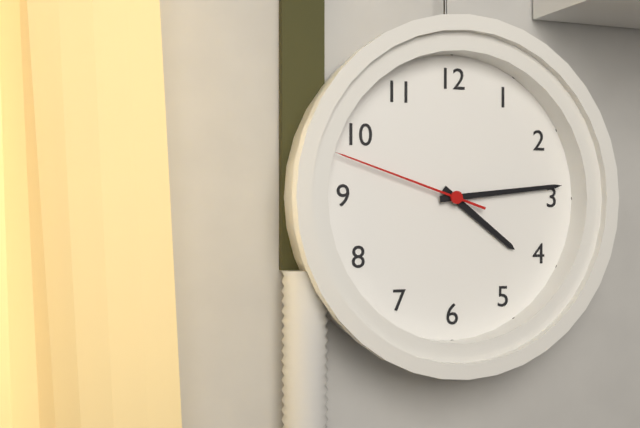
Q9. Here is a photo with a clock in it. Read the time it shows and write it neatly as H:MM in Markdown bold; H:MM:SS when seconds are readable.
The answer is **4:14:48**
